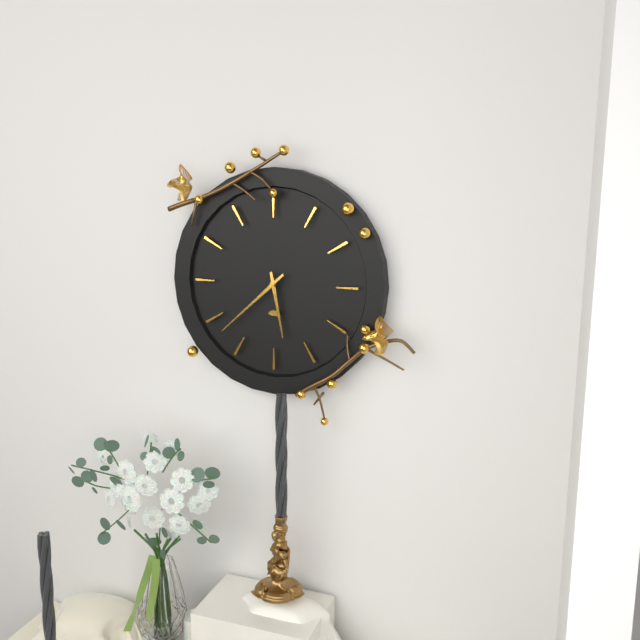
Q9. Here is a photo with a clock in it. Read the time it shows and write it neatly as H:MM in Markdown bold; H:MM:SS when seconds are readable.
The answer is **5:38**
